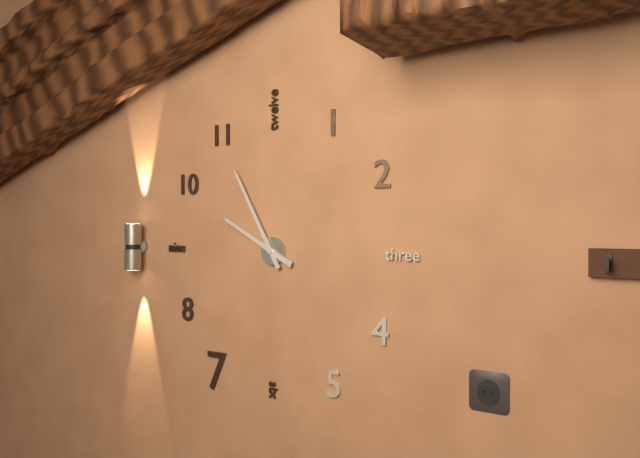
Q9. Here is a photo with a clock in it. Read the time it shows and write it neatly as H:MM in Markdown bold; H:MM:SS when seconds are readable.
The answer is **9:55**
